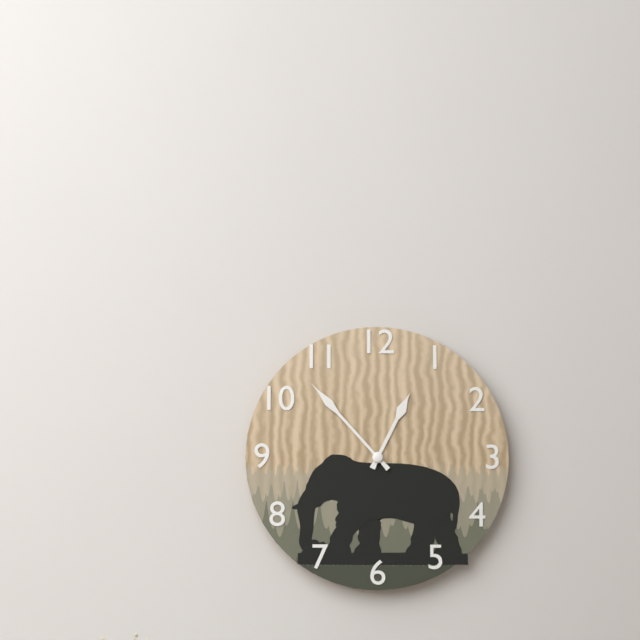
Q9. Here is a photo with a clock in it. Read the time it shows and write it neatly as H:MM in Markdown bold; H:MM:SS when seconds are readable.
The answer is **12:53**
